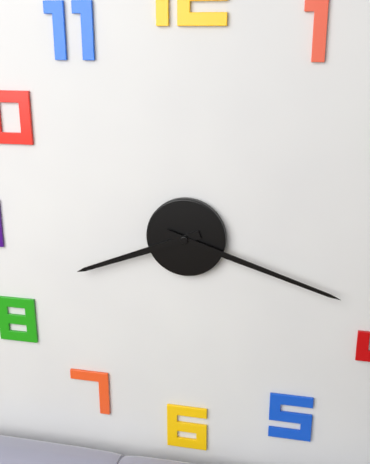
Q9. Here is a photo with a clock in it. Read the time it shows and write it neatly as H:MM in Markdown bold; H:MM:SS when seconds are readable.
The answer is **8:18**
